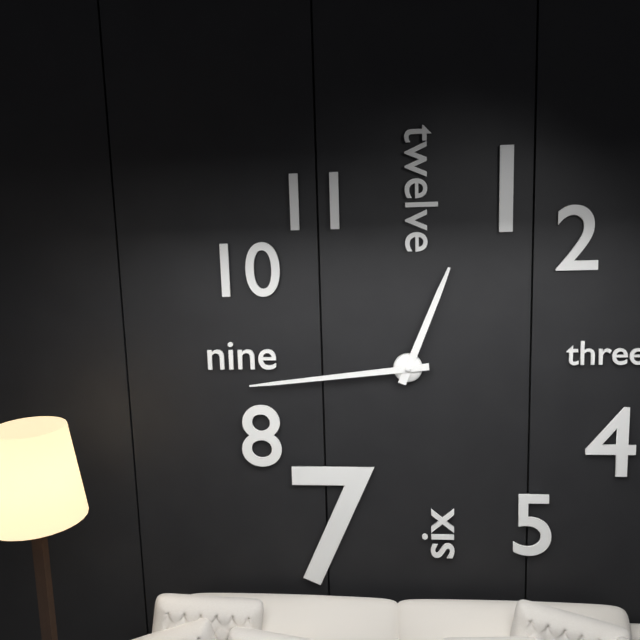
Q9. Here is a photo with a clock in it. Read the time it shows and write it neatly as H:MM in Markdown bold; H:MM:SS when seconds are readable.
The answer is **12:44**
